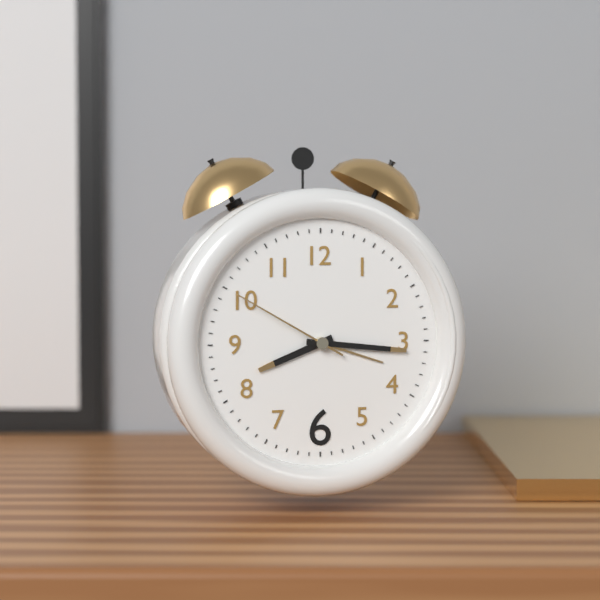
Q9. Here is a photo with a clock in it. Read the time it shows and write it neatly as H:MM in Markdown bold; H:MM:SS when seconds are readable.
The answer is **8:16:50**
